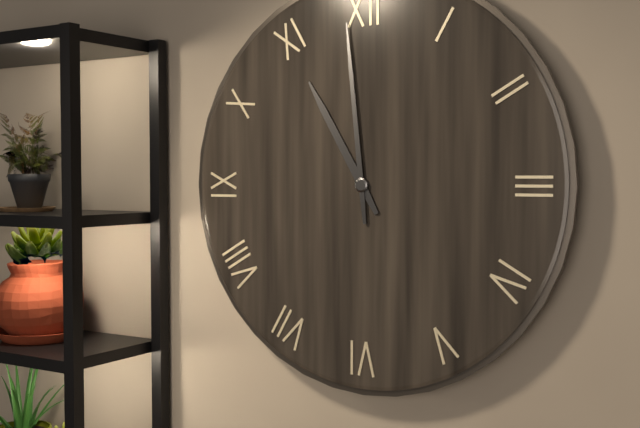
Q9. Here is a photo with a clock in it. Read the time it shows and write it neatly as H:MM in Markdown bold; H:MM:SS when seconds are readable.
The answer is **10:59**
